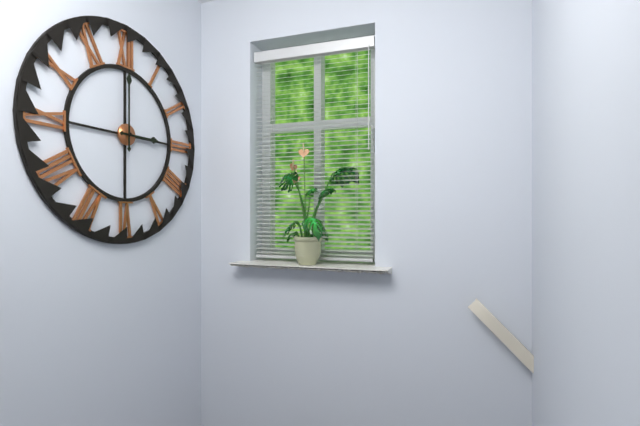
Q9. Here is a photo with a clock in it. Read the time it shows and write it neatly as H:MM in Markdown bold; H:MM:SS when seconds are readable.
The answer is **3:00**
